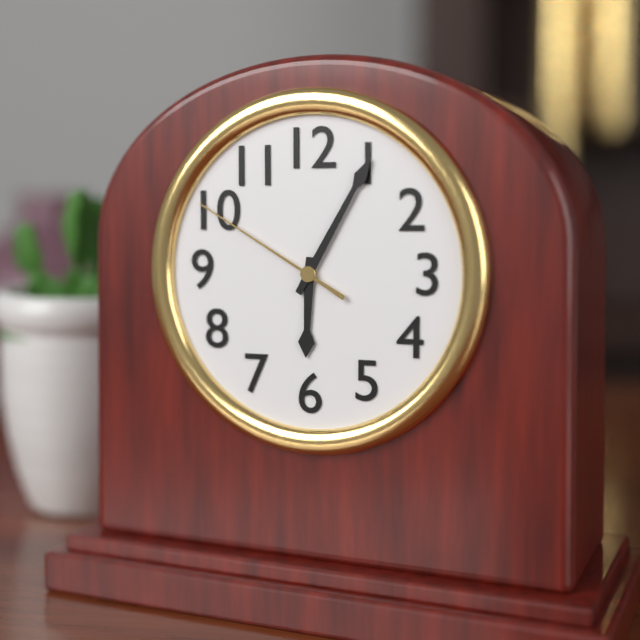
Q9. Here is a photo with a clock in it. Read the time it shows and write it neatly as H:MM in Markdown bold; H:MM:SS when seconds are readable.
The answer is **6:05:50**
